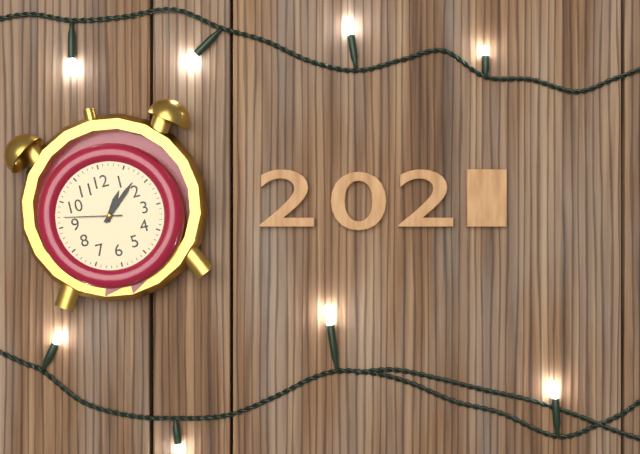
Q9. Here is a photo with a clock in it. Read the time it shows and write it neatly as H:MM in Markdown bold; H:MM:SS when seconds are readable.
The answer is **1:08:47**
